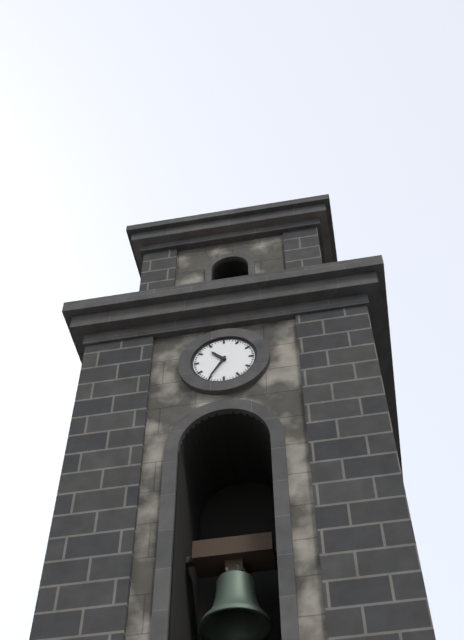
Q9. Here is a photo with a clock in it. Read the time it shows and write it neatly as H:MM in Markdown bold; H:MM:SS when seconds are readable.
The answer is **10:35**
